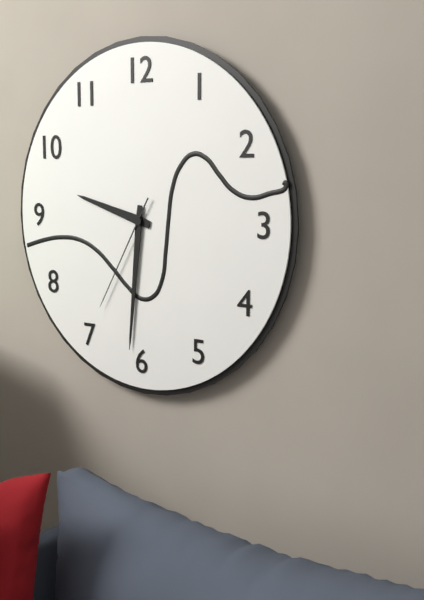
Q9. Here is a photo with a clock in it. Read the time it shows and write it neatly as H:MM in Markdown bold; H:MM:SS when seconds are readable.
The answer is **9:31:35**
